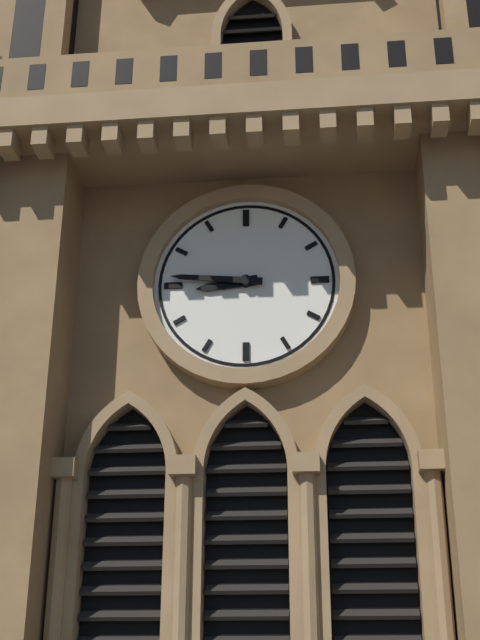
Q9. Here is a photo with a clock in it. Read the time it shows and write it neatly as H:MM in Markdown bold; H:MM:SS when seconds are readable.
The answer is **8:46**
